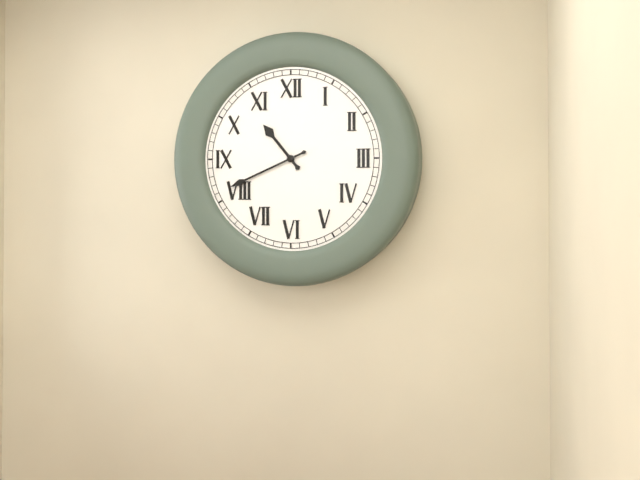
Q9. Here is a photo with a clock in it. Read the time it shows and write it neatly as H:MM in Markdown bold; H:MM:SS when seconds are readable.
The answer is **10:41**
